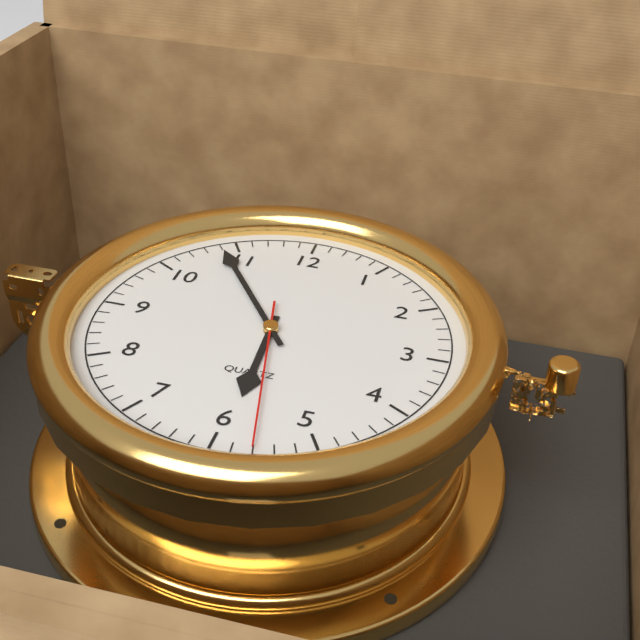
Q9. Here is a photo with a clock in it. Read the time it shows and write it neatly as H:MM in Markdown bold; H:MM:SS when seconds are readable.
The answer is **5:54:28**
